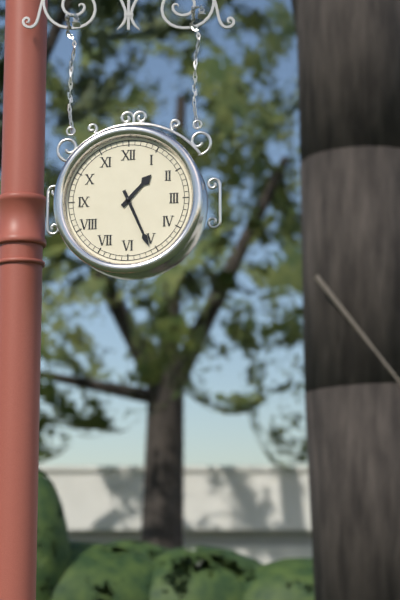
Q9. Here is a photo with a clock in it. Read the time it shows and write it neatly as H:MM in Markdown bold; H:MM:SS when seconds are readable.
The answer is **1:26**
